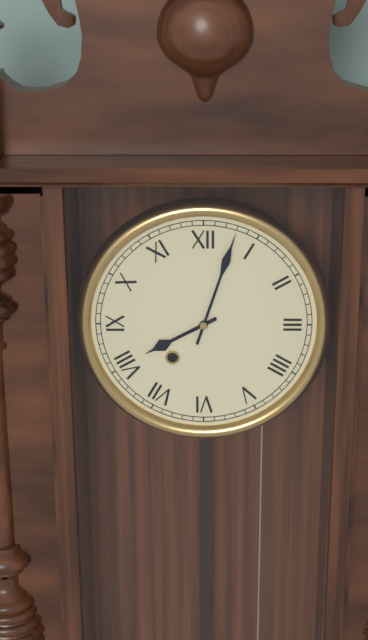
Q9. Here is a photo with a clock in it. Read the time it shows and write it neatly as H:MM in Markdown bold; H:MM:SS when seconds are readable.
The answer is **8:03**
